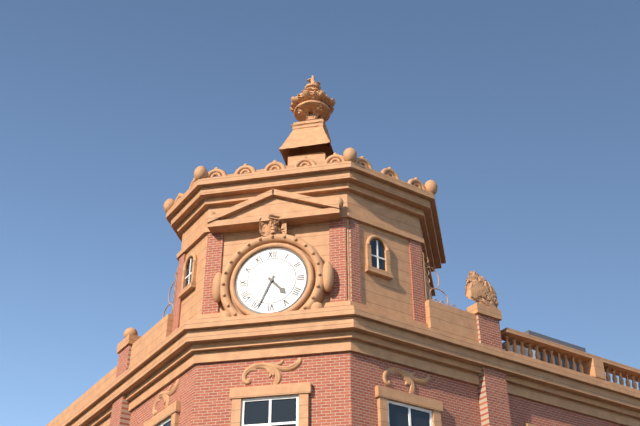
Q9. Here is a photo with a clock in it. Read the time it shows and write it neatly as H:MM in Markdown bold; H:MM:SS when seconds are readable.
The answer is **4:34**
